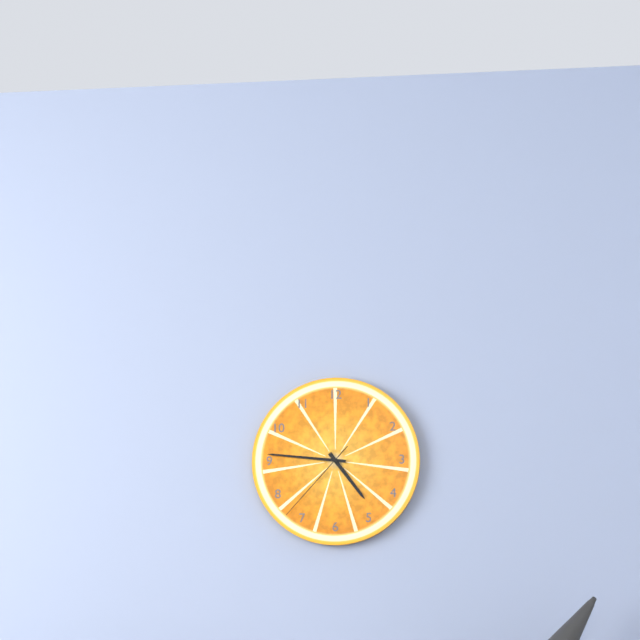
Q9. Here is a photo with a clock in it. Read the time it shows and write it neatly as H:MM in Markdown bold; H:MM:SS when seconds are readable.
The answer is **4:46:37**
